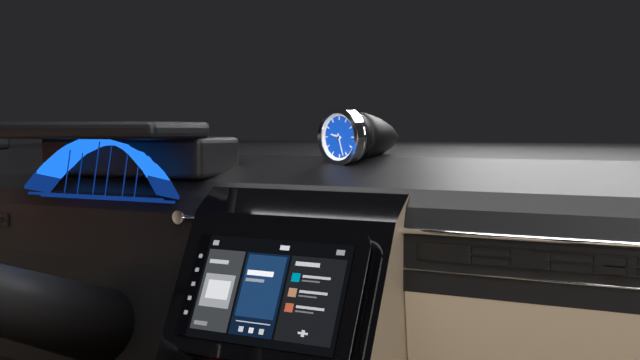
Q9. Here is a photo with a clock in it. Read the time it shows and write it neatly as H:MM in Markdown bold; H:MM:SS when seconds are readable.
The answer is **9:27**
